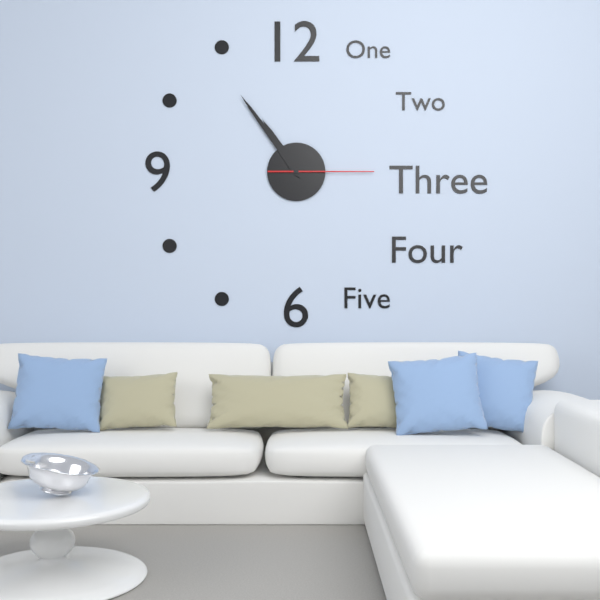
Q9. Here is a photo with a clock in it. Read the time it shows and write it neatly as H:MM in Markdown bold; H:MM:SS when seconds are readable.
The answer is **10:54:15**
